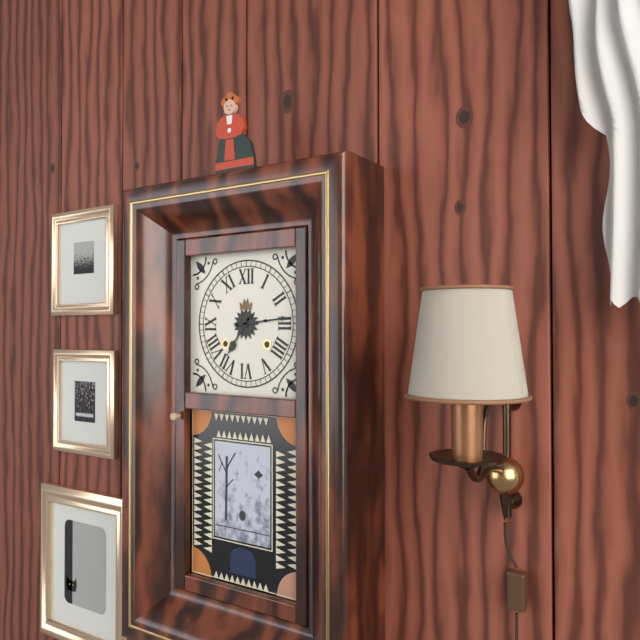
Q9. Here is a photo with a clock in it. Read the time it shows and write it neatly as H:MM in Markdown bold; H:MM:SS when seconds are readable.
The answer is **7:14**
